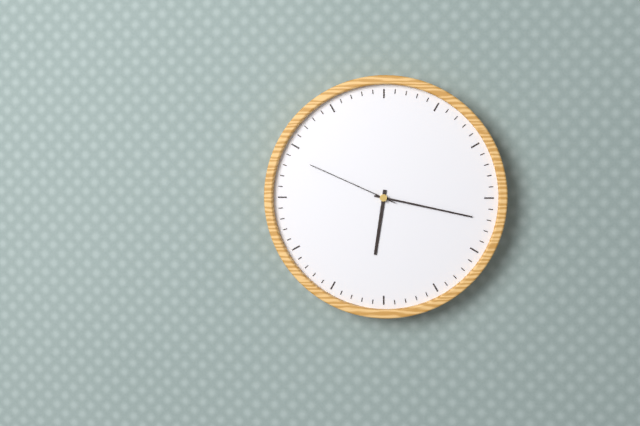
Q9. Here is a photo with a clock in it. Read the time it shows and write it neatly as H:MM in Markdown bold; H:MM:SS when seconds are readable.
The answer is **6:17:49**
